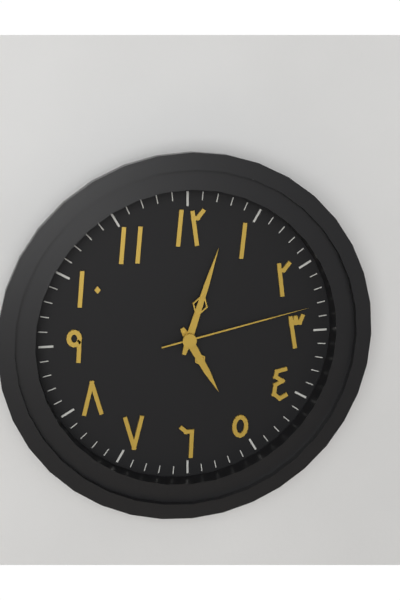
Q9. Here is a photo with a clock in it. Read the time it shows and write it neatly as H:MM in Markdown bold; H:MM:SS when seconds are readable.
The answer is **5:03:13**
